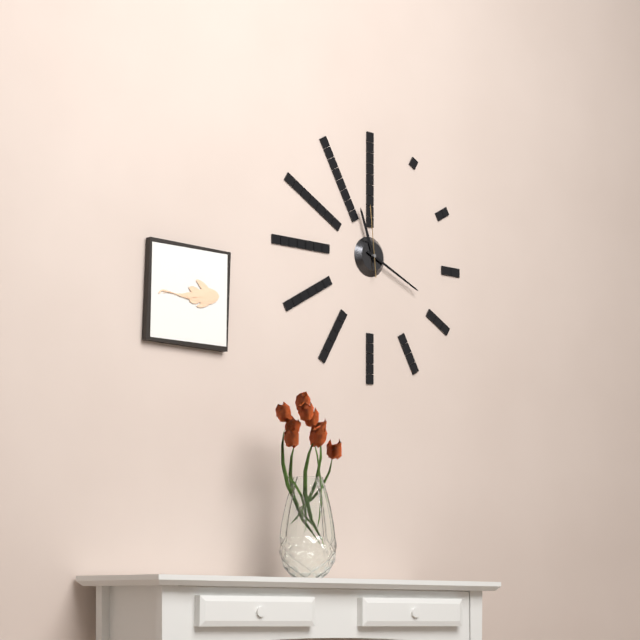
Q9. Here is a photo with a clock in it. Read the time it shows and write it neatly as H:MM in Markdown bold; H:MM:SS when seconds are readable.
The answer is **11:19:59**
